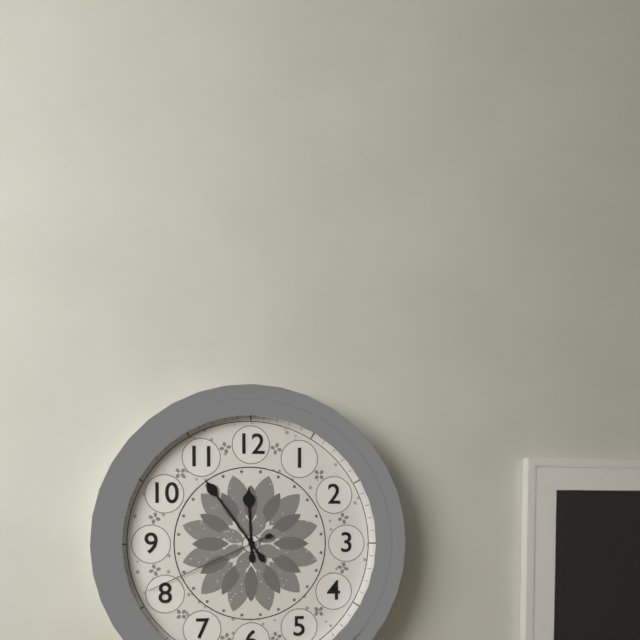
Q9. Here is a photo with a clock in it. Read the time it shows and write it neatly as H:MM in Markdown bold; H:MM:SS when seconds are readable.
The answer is **11:54:41**
